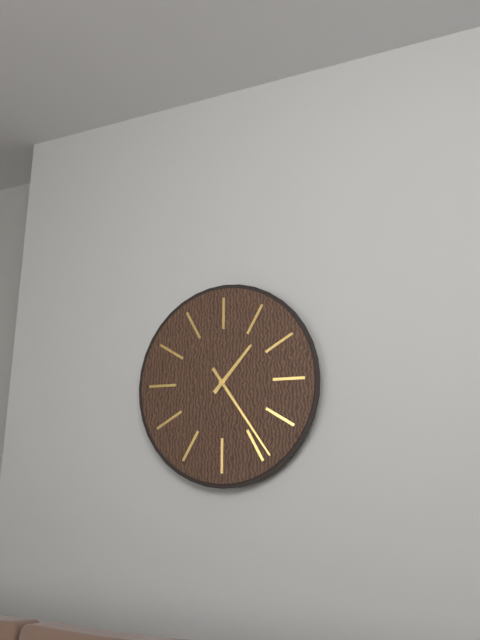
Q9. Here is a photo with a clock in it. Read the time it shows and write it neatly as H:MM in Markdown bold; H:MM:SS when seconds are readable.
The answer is **1:24**
